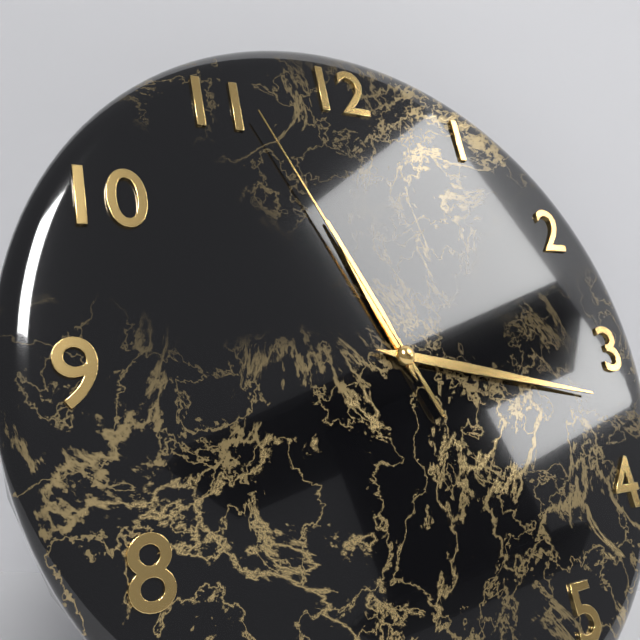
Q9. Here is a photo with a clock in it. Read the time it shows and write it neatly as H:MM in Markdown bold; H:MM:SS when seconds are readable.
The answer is **11:17:56**
